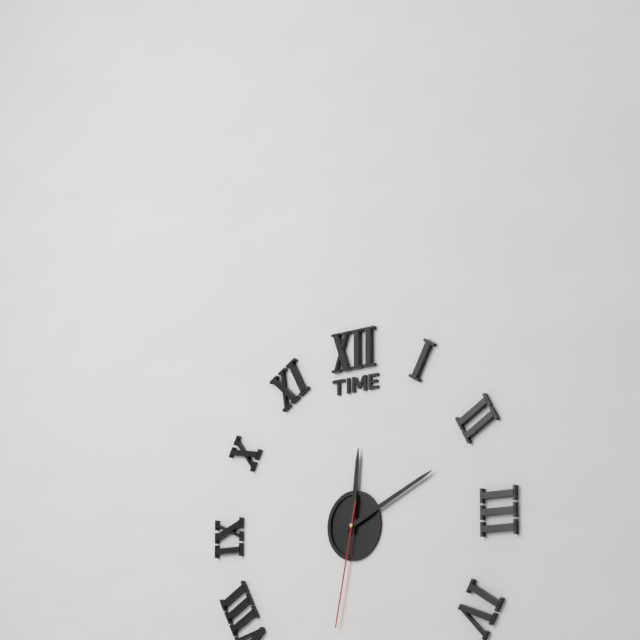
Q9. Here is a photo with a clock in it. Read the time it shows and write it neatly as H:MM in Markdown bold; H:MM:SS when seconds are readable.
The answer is **12:11:32**
